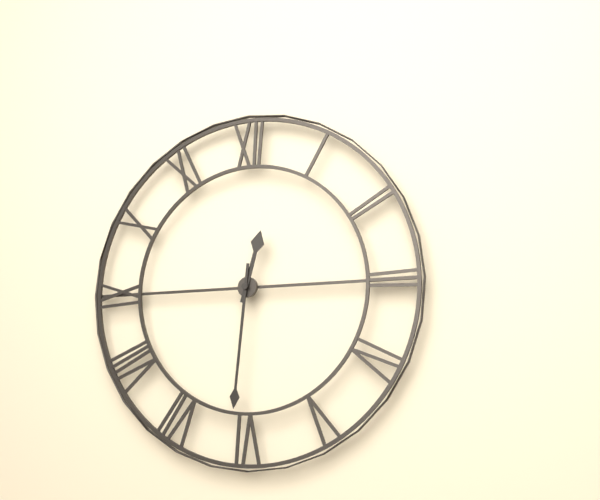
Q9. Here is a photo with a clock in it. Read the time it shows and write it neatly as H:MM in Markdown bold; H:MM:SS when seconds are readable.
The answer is **12:31**
